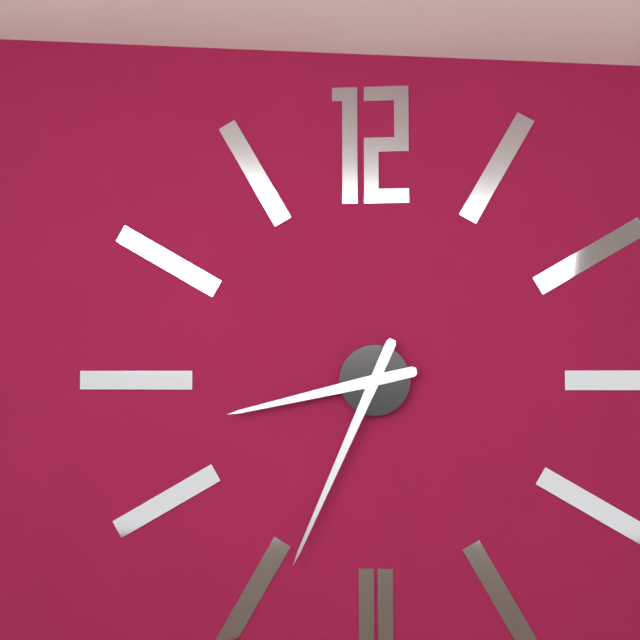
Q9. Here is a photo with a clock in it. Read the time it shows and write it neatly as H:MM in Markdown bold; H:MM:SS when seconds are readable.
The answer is **8:34**
